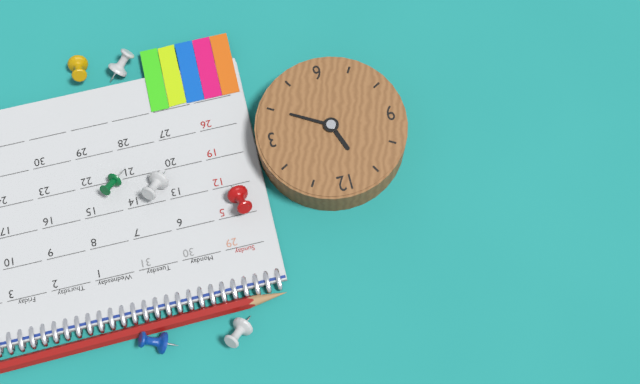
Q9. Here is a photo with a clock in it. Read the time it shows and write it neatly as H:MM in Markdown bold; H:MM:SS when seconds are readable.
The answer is **11:20**
